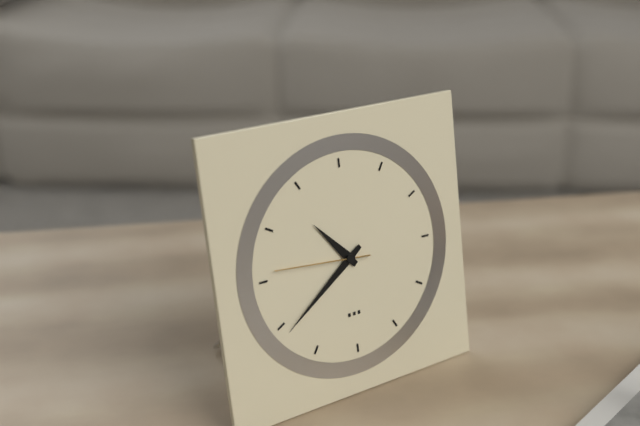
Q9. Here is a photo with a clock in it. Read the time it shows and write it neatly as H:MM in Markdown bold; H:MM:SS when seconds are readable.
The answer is **10:39:46**
